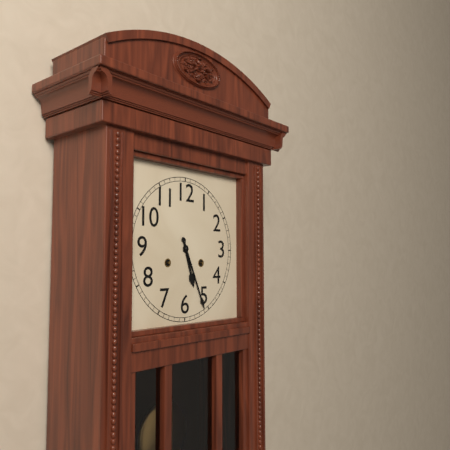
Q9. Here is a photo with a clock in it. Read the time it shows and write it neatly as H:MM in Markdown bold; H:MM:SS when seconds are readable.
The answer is **5:26**
